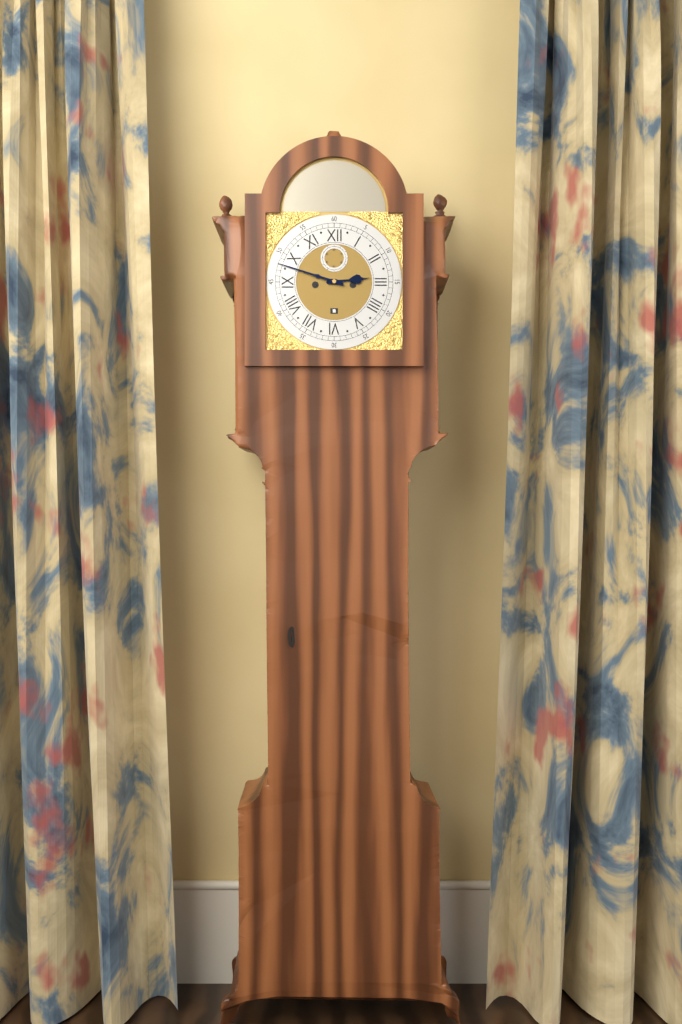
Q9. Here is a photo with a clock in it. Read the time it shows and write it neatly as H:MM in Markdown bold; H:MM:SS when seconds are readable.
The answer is **2:48**
